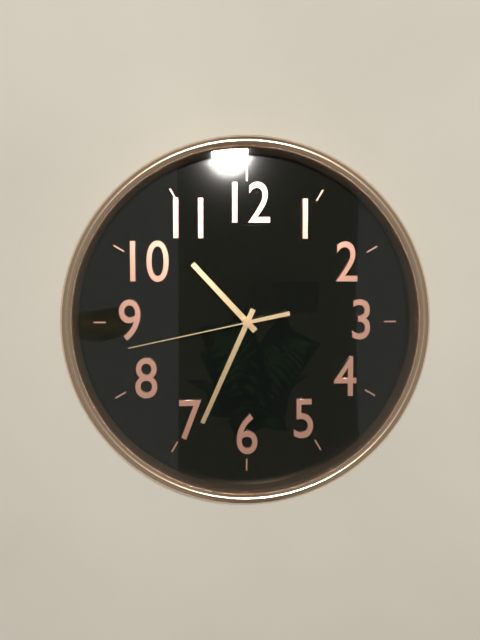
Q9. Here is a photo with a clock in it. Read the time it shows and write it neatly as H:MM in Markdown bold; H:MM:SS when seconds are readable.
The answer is **10:34:43**
